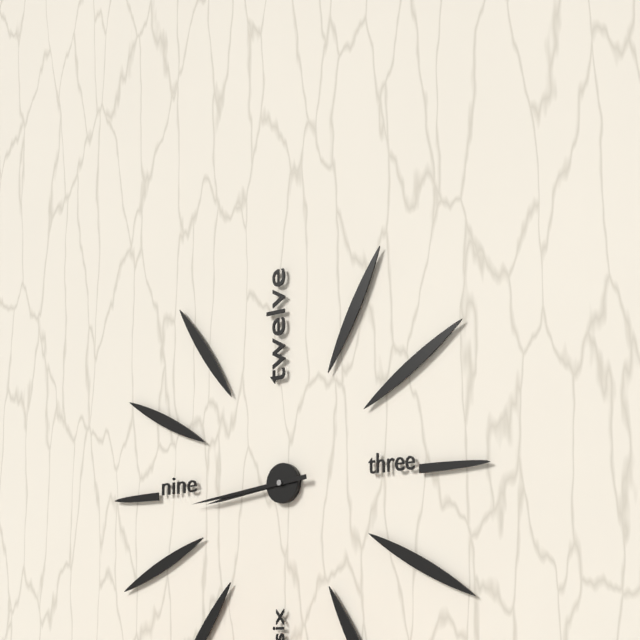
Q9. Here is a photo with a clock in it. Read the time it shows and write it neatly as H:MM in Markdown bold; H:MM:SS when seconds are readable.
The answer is **8:44**
